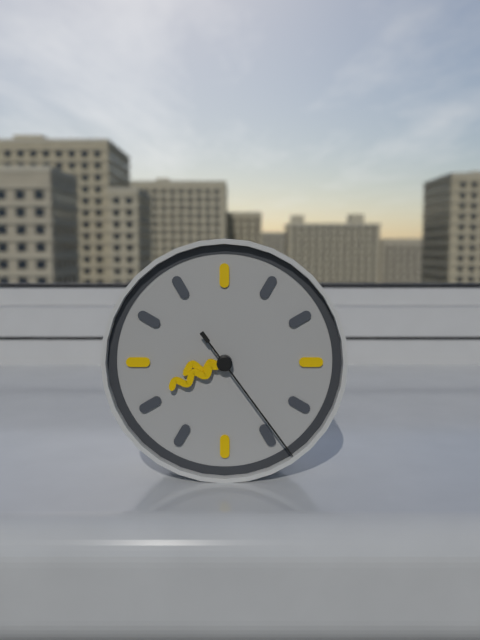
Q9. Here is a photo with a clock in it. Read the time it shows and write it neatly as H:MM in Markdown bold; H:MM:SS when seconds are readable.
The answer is **8:41:24**
